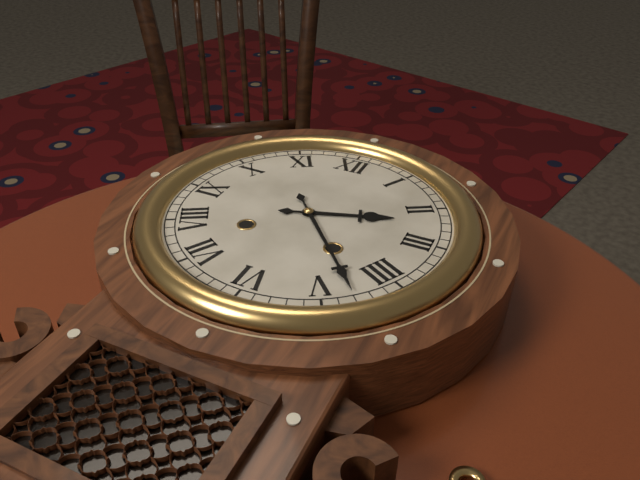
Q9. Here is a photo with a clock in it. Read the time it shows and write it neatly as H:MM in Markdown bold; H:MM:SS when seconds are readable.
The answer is **2:23**
